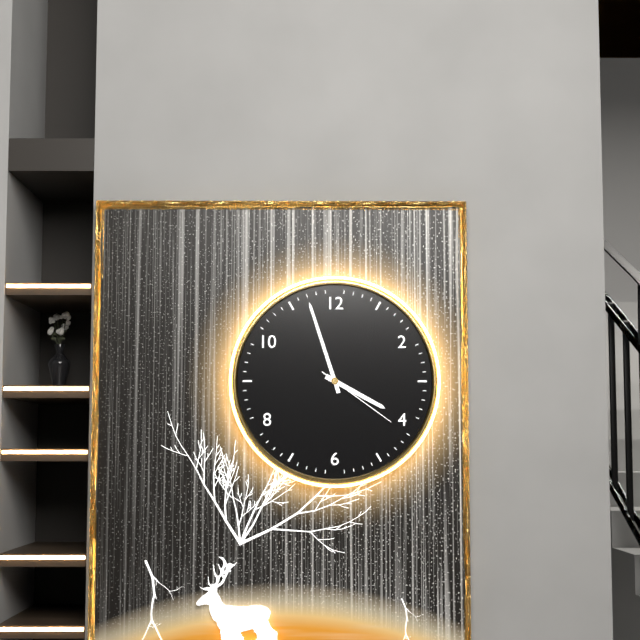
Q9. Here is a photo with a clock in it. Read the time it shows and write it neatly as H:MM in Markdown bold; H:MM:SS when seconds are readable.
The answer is **3:57:21**
